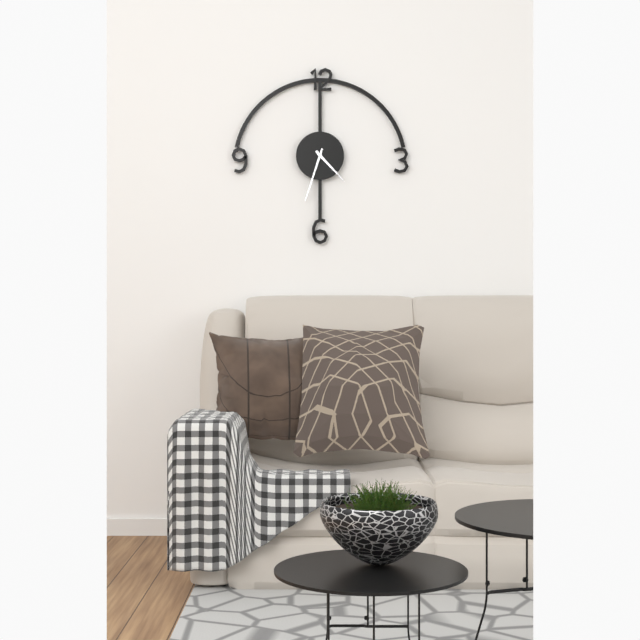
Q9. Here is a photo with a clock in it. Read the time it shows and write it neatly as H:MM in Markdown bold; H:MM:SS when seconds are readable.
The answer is **4:33**
